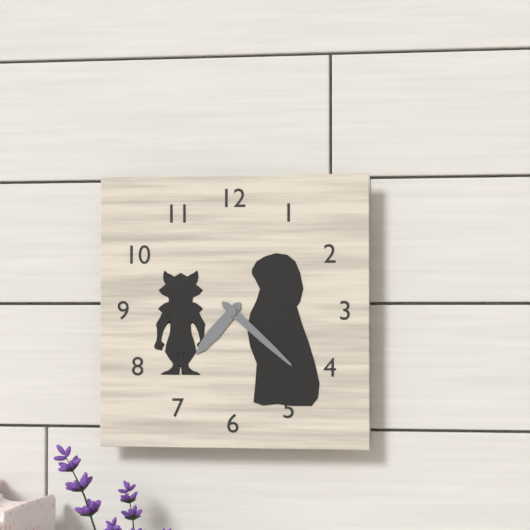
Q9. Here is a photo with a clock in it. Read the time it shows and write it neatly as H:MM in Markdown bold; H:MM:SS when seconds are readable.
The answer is **7:22**
